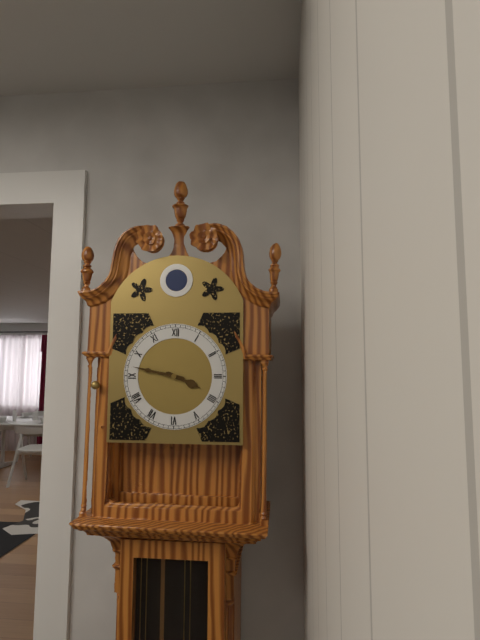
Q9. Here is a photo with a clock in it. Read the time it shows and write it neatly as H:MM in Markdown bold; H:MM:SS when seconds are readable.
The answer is **3:47**
